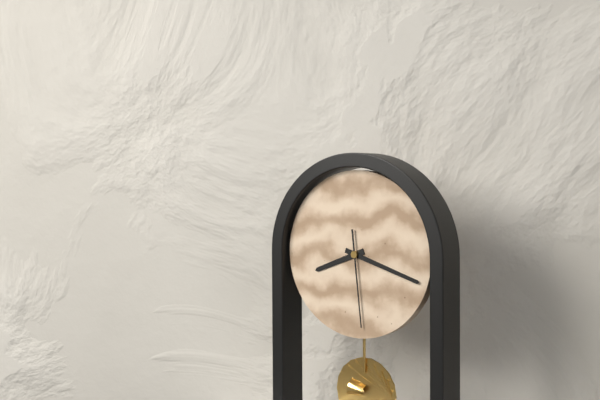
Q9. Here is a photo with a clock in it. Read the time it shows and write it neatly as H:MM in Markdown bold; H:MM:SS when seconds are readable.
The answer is **8:18:29**
